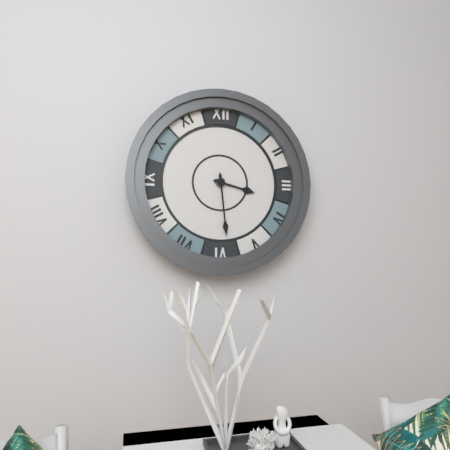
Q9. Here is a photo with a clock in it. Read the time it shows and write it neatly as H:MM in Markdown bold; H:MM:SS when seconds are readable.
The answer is **3:29**
